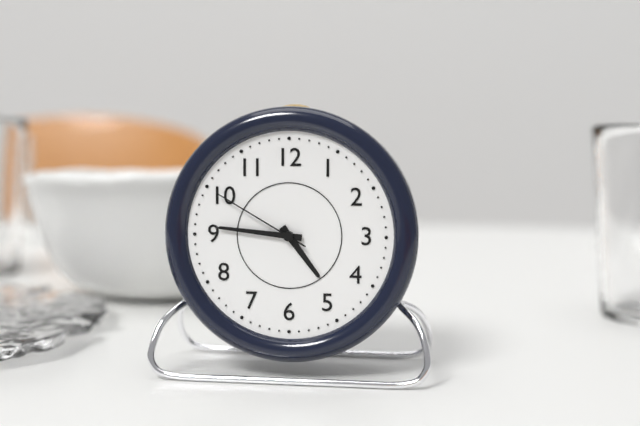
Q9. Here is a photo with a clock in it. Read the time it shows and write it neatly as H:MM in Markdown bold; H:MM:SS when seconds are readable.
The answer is **4:46:50**
